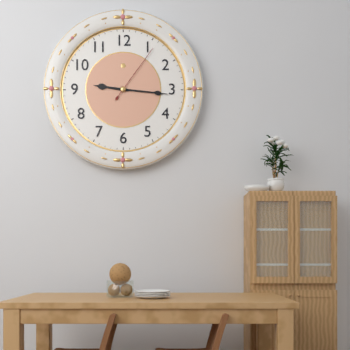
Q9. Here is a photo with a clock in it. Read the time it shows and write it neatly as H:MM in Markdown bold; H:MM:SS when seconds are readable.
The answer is **9:16:06**
